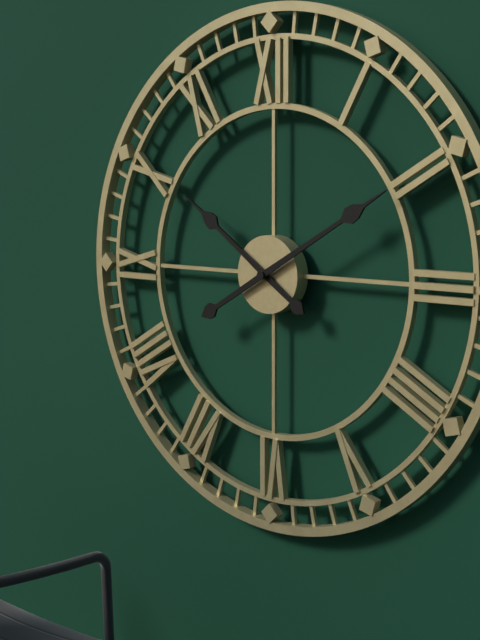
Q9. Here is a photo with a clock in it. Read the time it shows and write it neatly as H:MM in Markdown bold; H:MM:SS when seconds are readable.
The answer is **10:10**
